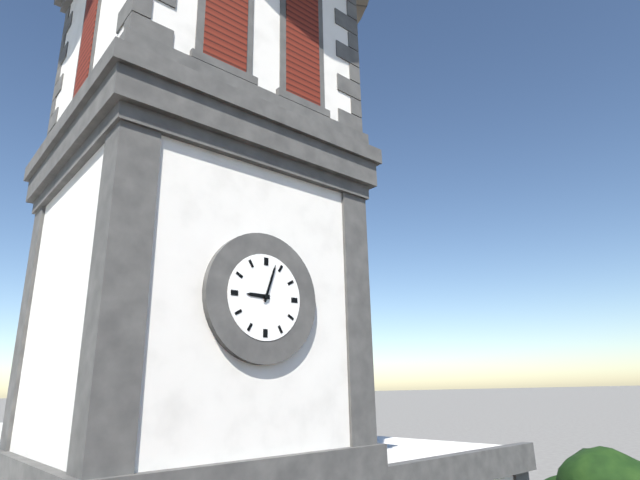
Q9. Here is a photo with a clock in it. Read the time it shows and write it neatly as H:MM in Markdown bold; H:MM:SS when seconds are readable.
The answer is **9:03**
